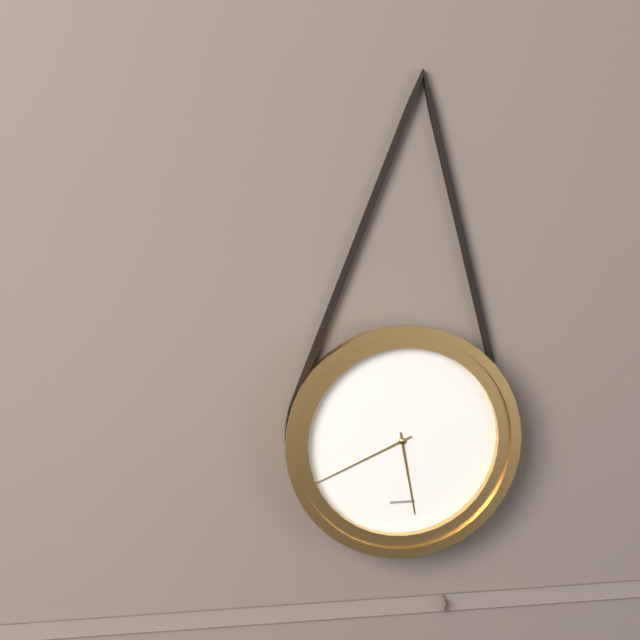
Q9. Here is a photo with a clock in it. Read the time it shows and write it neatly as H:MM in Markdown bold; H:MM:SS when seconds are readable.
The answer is **5:41**
